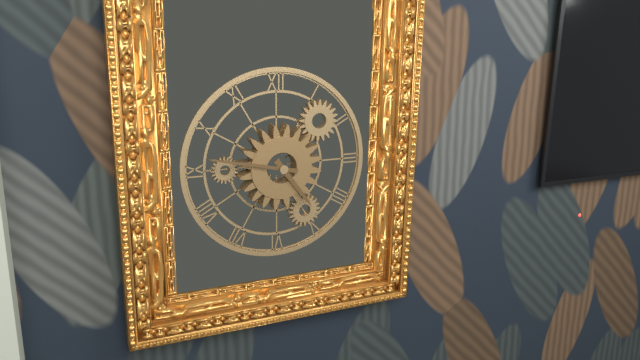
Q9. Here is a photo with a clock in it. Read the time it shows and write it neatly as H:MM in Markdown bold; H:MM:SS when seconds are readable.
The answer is **4:47**
